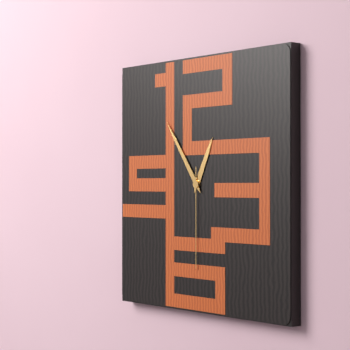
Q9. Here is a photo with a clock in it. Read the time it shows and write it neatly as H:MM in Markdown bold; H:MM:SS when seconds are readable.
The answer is **12:54:30**
